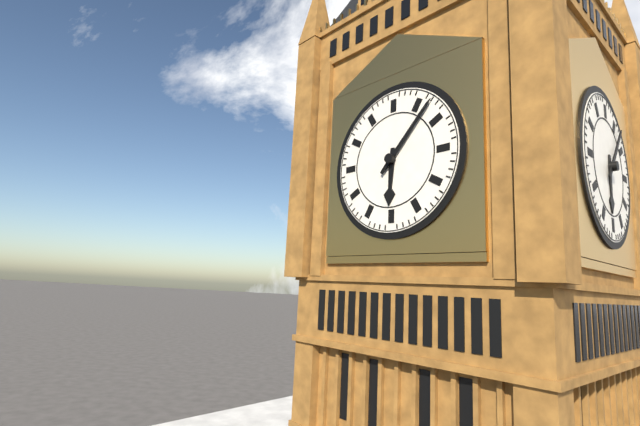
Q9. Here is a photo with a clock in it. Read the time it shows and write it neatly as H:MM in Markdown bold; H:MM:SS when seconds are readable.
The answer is **6:07**
